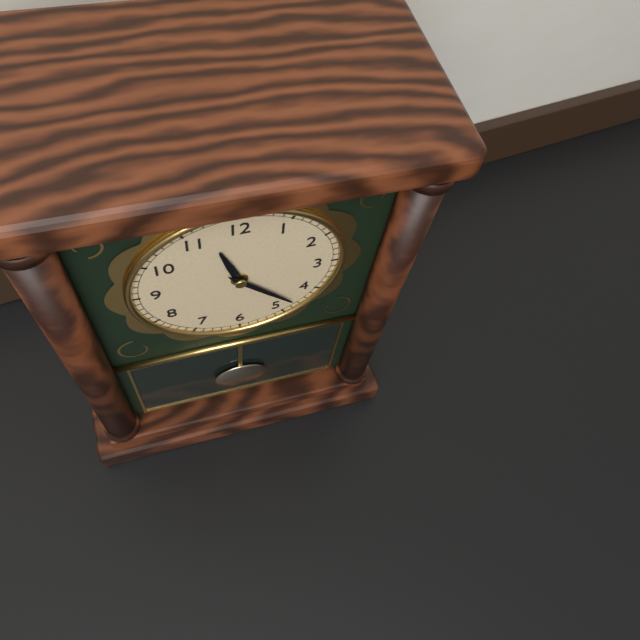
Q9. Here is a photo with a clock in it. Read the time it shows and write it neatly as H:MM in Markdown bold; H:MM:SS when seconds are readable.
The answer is **11:23**
